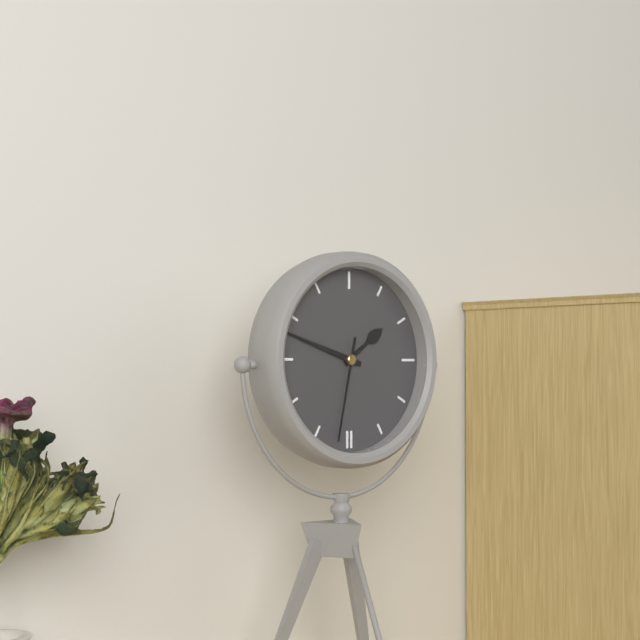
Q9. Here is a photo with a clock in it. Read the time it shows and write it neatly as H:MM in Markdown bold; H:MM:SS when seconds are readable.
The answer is **1:48:32**
